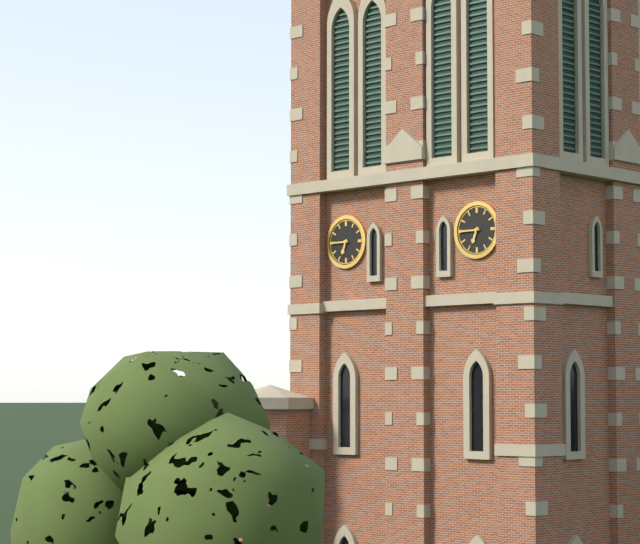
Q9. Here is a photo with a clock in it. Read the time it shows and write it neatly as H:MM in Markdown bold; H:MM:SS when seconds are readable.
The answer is **6:45**
